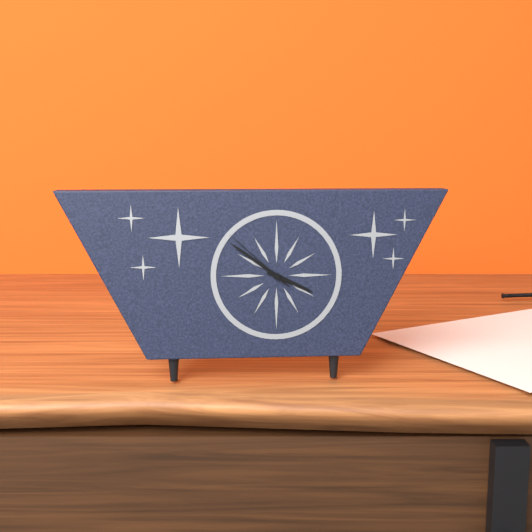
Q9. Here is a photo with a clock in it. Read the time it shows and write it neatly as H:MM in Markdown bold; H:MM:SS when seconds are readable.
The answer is **3:51:52**
